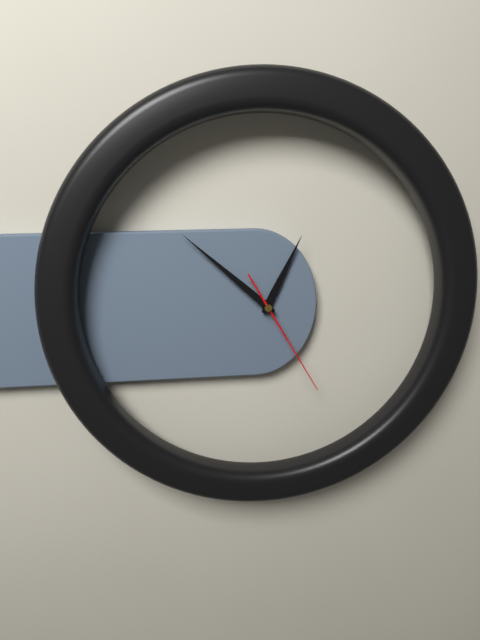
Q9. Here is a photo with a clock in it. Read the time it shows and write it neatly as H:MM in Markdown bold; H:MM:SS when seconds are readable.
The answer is **12:52:25**
